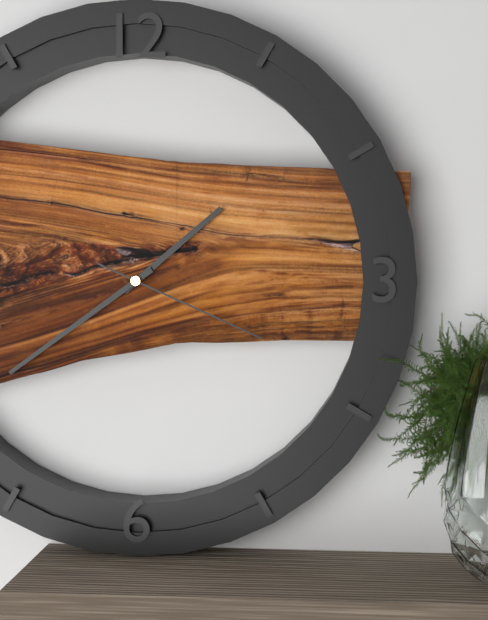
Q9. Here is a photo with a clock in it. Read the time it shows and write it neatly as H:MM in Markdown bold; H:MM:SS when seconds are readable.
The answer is **1:39:19**
